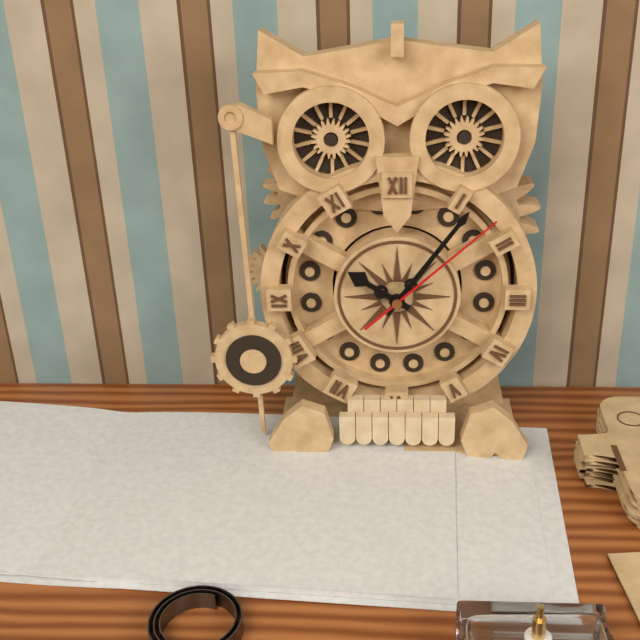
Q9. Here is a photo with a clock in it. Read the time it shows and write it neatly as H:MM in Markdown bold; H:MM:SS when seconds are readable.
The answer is **10:06:08**
